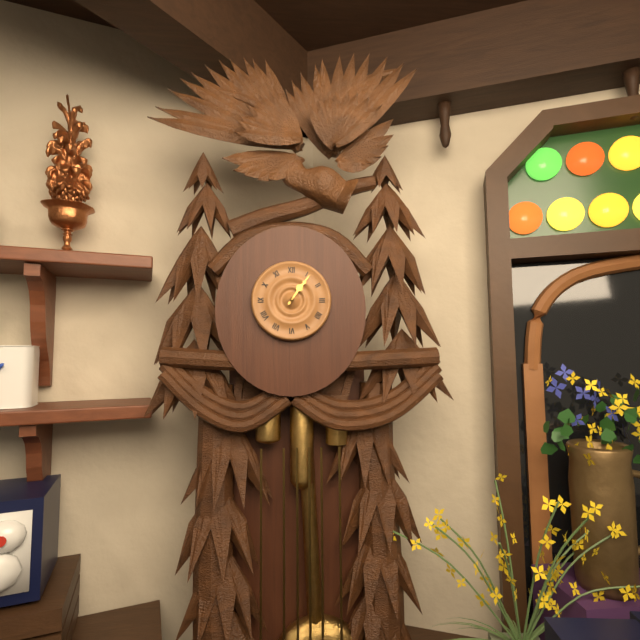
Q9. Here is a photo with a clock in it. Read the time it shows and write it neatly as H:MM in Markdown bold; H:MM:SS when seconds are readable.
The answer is **1:06**
